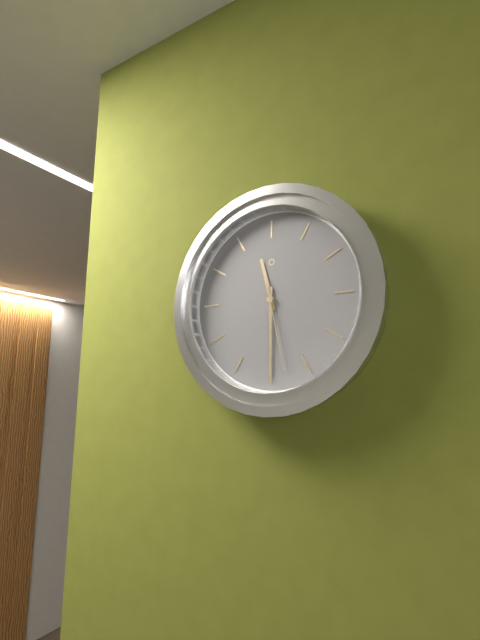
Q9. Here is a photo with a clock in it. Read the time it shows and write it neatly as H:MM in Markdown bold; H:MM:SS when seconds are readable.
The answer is **11:30:28**
